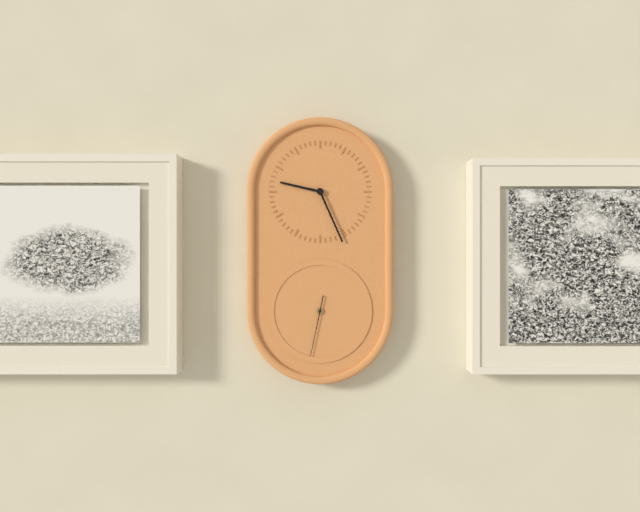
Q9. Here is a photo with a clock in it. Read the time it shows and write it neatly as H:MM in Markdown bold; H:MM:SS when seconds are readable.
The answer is **9:26:32**
